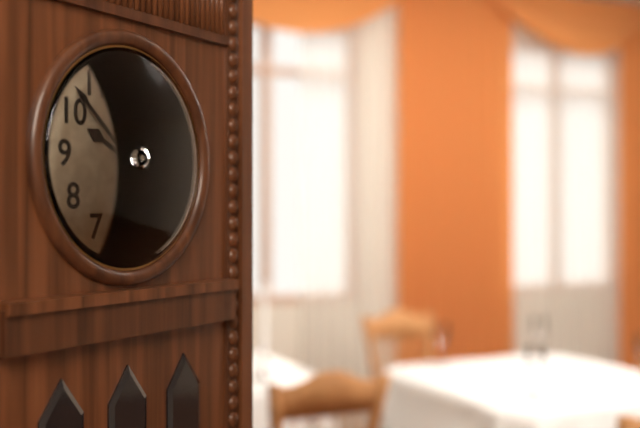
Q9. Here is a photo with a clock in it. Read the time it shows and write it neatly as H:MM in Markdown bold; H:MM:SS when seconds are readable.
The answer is **9:52**
